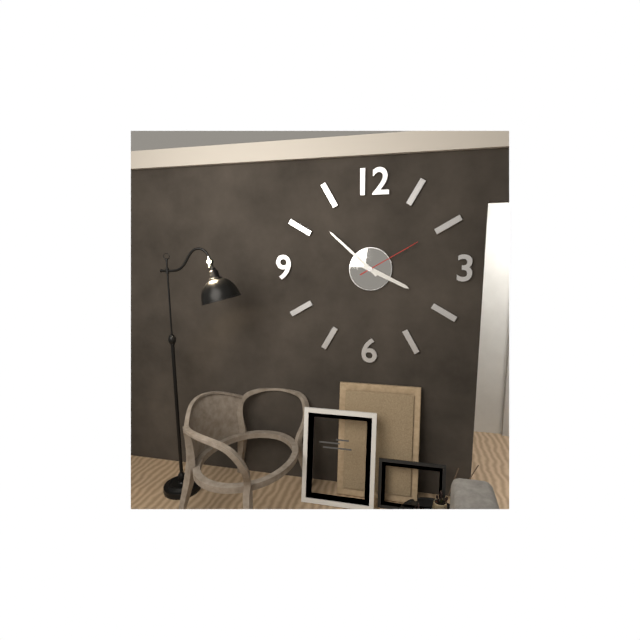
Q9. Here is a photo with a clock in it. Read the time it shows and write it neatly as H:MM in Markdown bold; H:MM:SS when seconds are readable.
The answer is **3:52:10**
